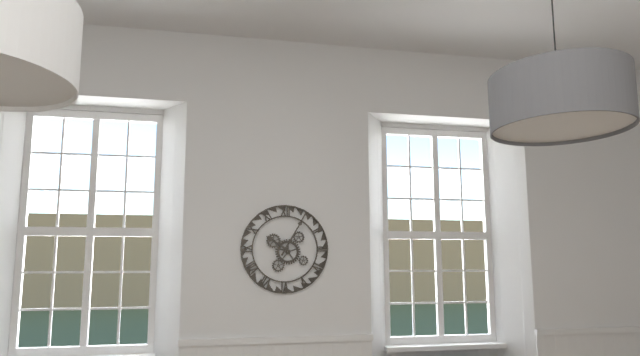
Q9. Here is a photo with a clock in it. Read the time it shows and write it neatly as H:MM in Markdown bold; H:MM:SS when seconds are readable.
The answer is **10:05**
